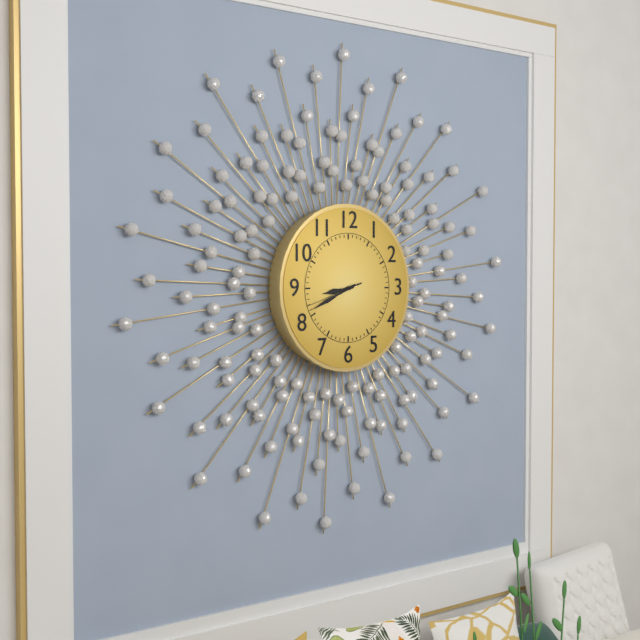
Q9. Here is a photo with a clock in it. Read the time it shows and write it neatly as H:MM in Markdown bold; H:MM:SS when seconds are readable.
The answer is **8:41:42**
